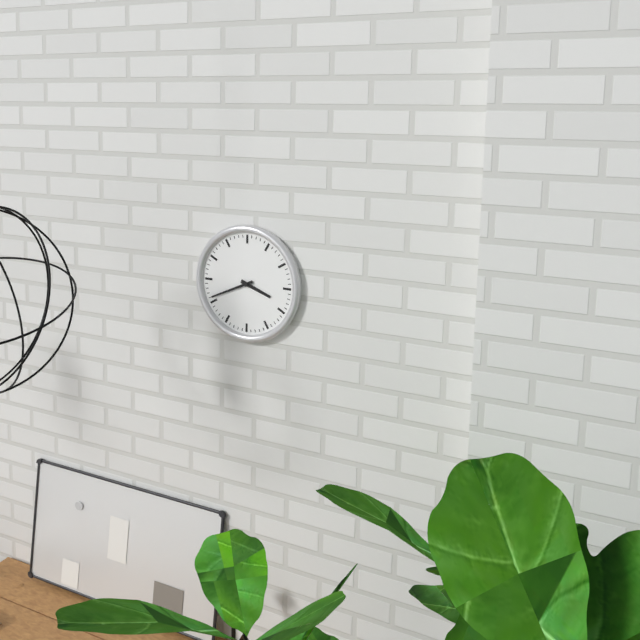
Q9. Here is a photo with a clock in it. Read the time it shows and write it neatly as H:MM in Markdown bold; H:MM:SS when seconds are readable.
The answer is **3:41**
